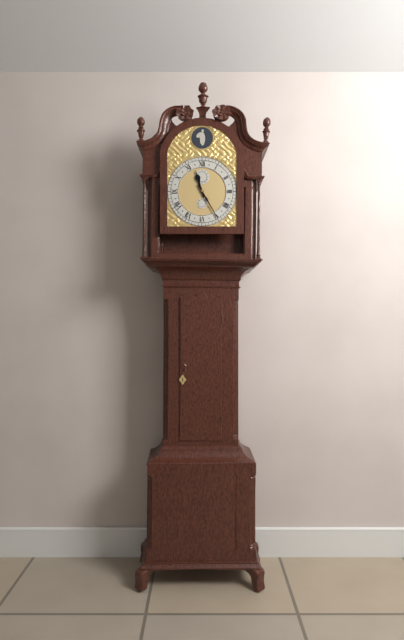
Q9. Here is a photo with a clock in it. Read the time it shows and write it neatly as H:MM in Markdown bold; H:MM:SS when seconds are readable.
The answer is **11:25**
